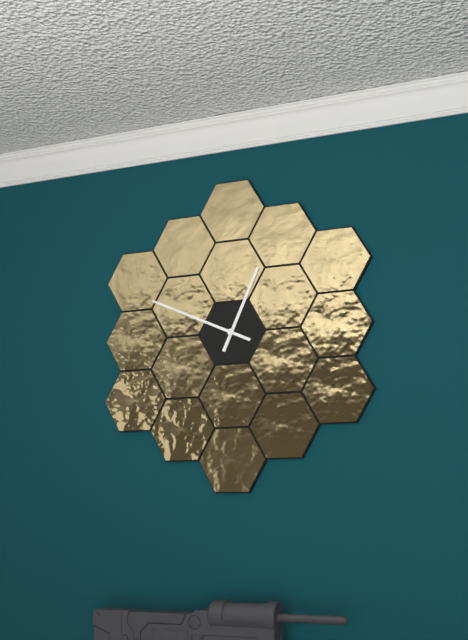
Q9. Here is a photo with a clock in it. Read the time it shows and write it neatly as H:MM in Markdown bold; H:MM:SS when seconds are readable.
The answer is **12:49**
